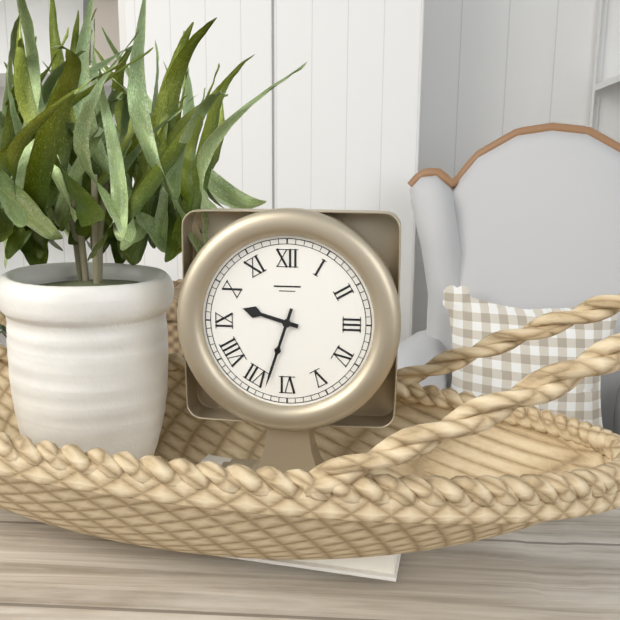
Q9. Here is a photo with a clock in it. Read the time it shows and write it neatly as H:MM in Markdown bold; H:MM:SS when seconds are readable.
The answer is **9:33**
